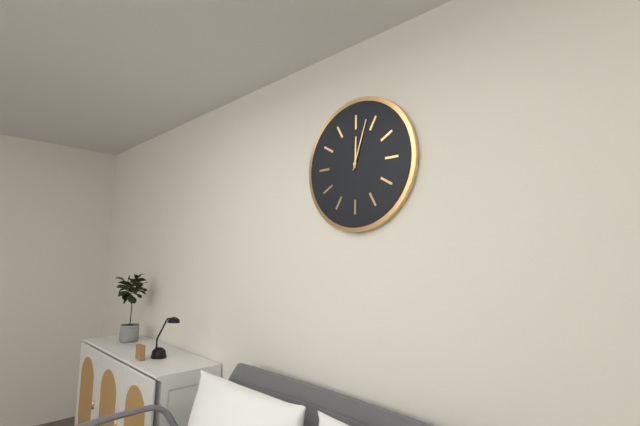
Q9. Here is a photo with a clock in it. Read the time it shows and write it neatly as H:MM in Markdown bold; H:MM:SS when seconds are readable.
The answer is **12:03**
